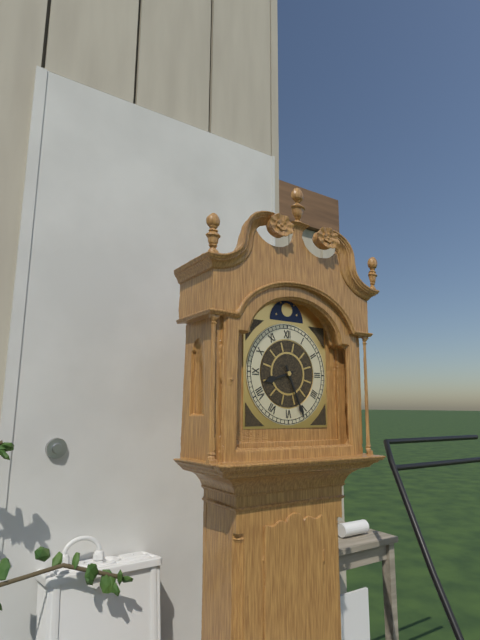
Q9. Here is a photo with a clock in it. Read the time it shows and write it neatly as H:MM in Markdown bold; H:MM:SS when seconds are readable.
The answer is **8:26**
